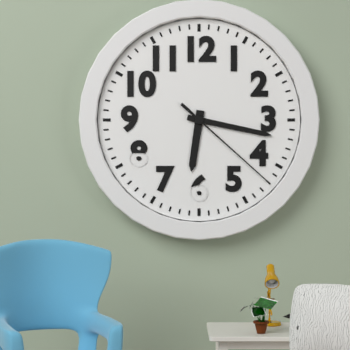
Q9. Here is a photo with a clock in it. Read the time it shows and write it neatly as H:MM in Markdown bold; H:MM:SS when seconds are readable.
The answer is **6:17:22**
